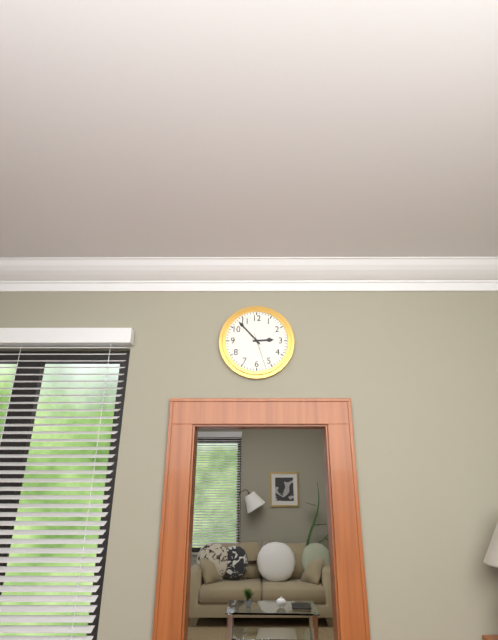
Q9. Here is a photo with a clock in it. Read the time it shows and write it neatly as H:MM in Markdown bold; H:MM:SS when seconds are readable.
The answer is **2:53**
